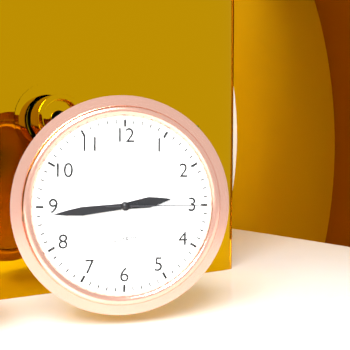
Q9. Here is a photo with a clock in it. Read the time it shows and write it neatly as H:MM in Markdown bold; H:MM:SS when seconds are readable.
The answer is **2:44:15**
